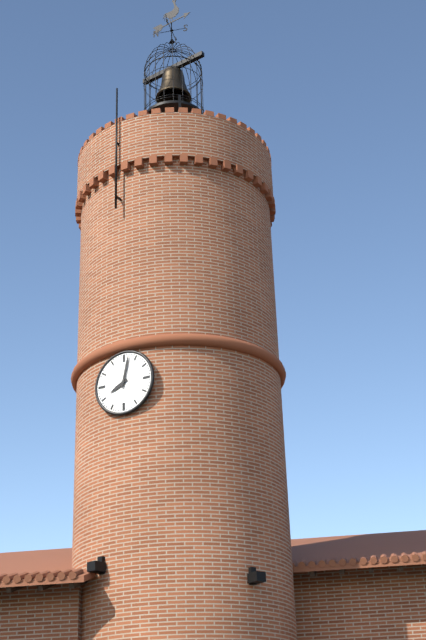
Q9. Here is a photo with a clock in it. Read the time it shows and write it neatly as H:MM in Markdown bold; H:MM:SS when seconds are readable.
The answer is **8:02**
